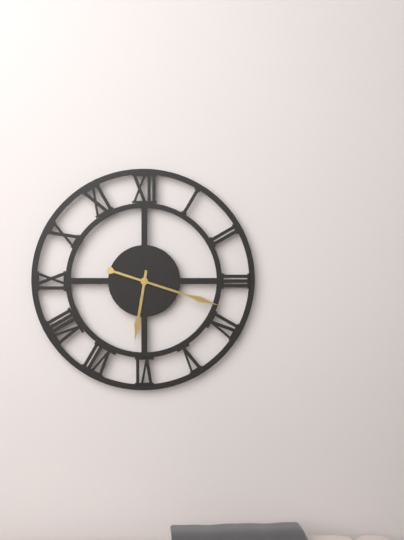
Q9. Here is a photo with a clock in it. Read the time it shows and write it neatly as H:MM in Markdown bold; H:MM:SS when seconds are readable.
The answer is **6:18**
